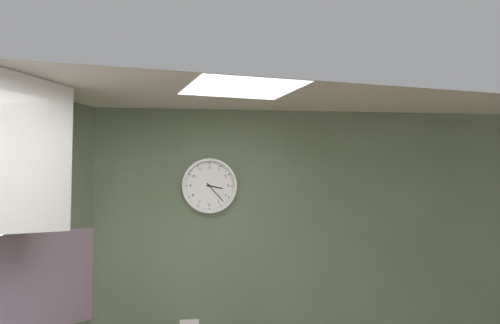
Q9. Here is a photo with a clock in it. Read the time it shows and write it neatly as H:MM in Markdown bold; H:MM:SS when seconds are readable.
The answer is **3:23**
